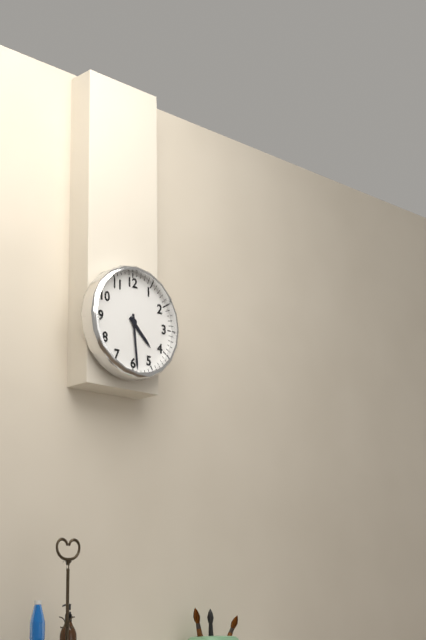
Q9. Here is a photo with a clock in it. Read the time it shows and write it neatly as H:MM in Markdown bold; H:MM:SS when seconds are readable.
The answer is **4:29**
